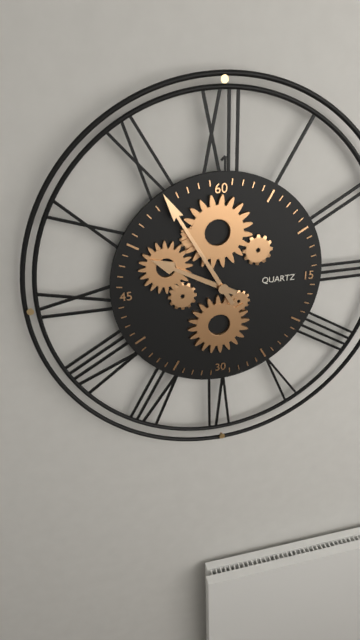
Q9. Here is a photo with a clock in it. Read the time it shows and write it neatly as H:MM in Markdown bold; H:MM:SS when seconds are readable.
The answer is **9:55**
